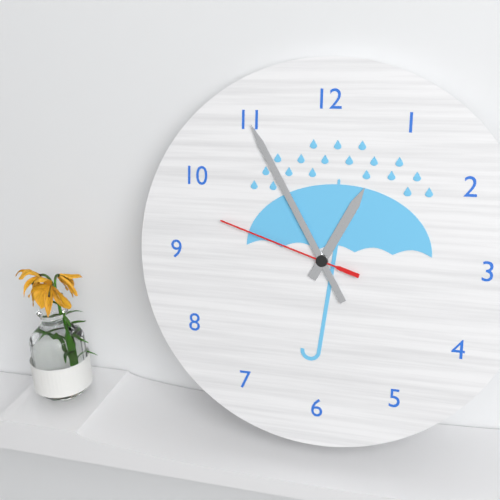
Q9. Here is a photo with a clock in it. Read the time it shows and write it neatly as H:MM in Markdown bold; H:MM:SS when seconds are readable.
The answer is **12:55:48**
